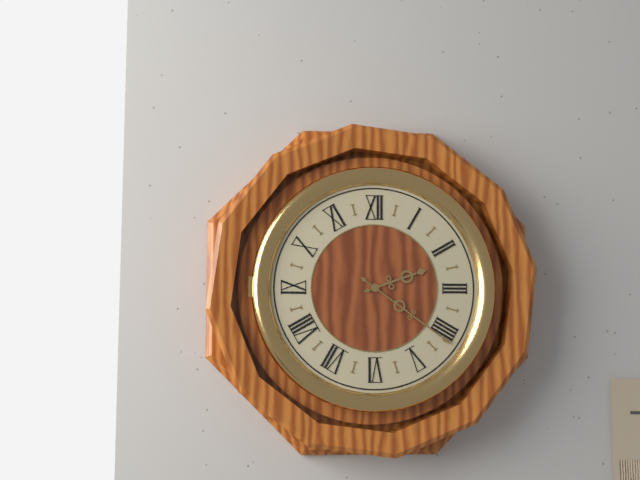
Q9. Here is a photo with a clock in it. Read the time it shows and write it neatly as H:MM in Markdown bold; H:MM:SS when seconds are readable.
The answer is **2:21**
